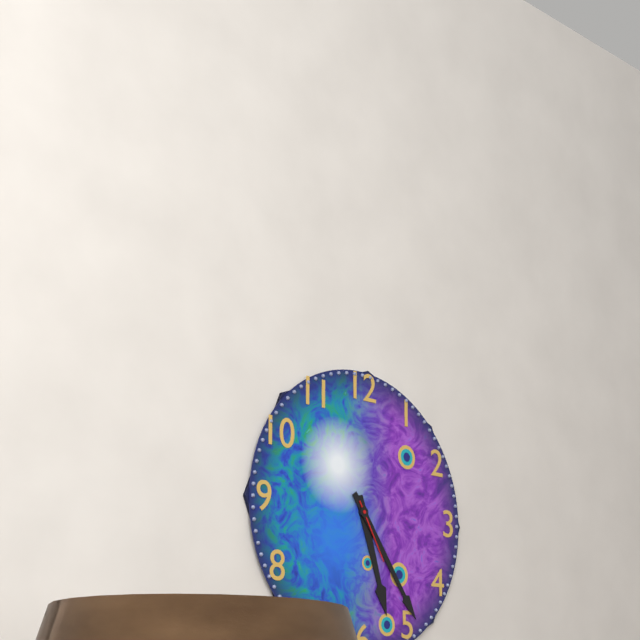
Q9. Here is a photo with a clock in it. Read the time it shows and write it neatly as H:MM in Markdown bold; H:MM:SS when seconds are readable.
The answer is **5:24:25**
